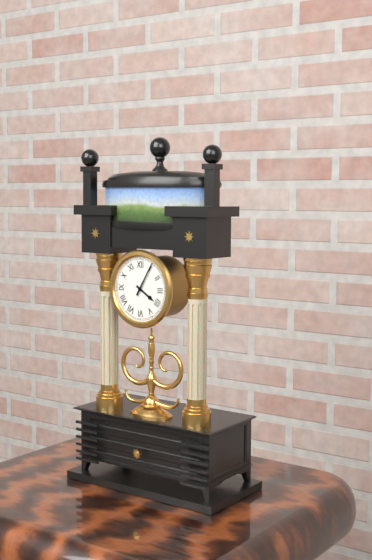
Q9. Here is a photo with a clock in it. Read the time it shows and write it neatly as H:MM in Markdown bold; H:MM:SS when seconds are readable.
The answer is **4:05**
